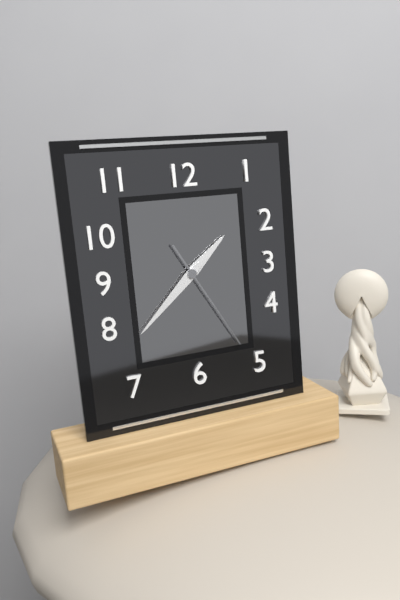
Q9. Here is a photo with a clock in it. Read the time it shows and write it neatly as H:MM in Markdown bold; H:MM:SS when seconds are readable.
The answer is **1:38:25**
